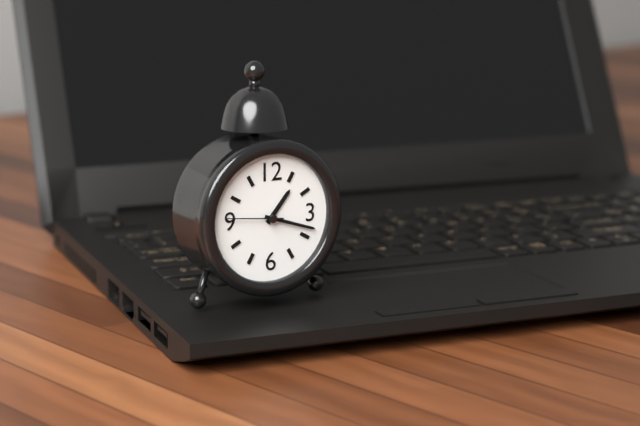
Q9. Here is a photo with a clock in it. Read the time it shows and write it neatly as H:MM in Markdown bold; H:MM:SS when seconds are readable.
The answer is **1:18:46**
